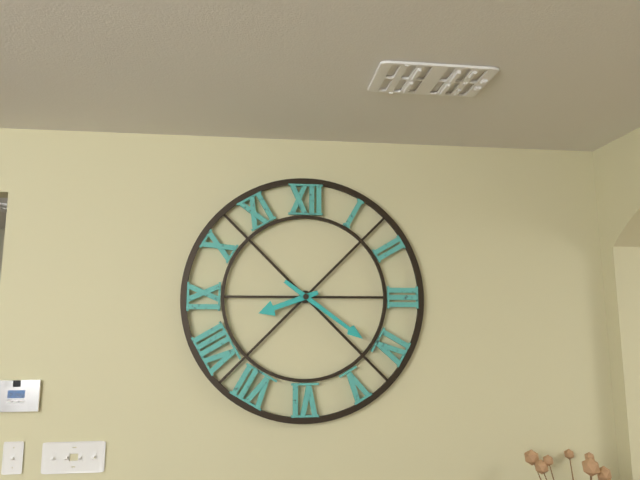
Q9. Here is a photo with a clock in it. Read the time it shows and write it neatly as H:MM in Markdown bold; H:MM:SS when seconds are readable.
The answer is **8:21**
